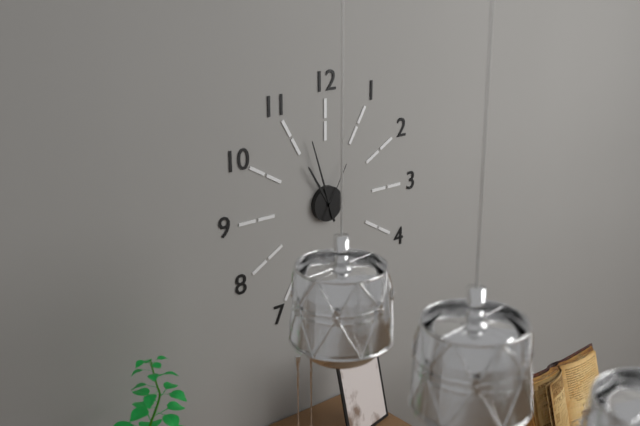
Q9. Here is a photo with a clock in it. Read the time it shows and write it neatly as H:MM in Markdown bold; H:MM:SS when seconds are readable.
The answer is **10:57:05**
